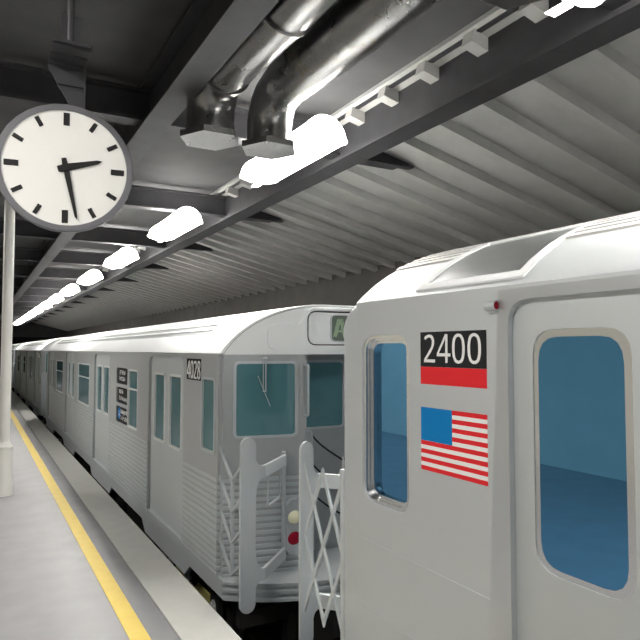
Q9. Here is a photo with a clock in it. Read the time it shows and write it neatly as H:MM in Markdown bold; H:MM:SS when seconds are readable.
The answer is **2:28**
